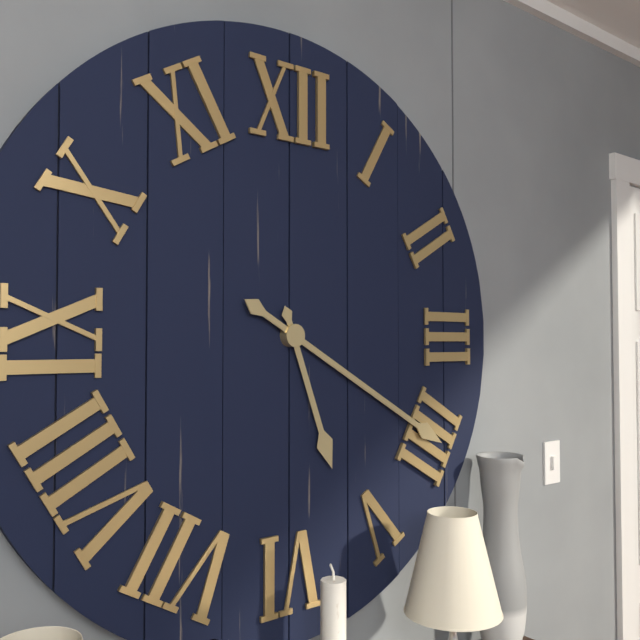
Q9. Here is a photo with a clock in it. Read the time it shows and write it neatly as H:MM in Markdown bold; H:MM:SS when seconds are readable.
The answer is **5:20**
